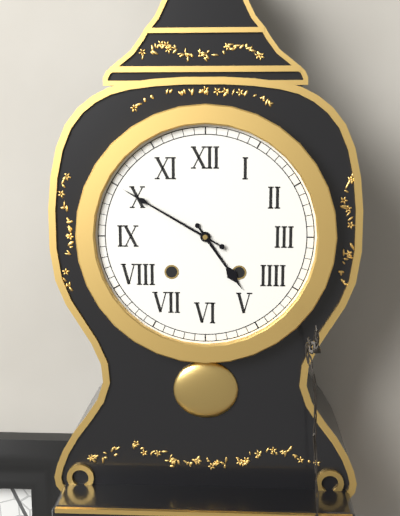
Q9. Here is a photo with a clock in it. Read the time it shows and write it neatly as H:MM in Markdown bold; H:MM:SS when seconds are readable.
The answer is **4:50**
